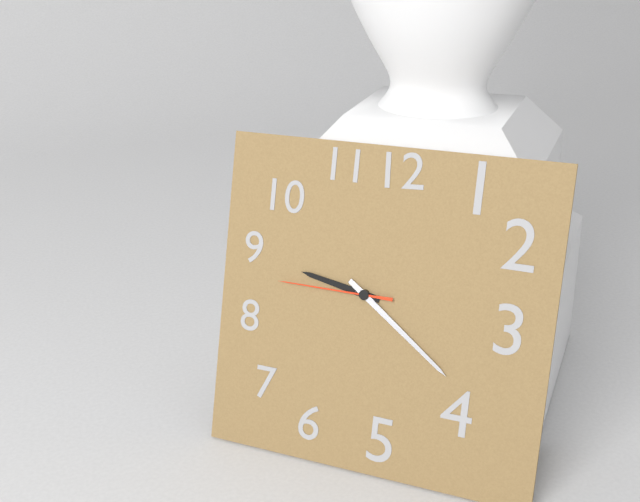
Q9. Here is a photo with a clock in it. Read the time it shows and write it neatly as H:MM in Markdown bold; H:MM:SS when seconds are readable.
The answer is **9:21:45**
